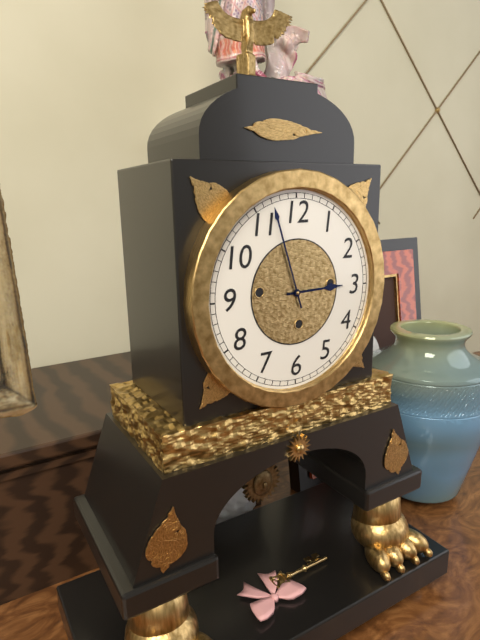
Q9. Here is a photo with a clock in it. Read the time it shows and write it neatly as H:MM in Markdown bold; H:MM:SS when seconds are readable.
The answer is **2:57**
